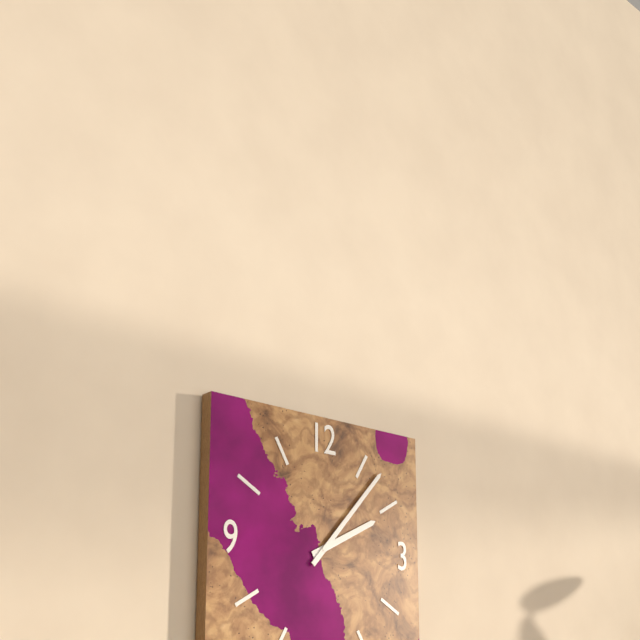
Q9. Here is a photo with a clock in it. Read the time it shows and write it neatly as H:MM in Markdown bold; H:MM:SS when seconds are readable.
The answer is **2:07**
